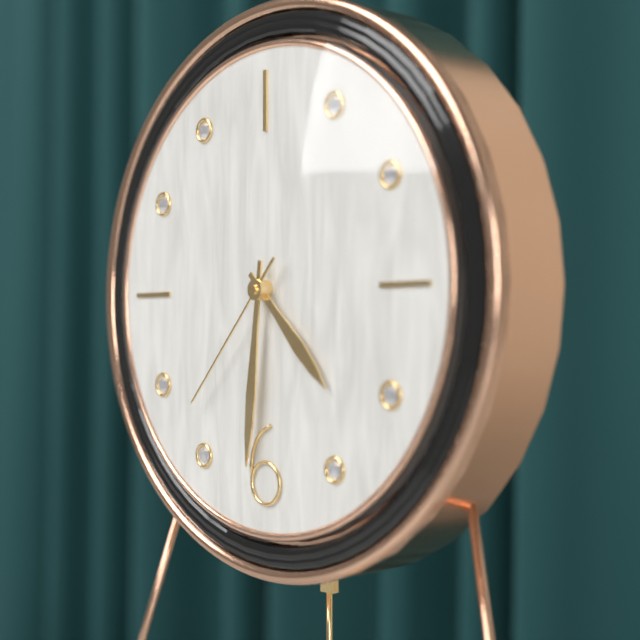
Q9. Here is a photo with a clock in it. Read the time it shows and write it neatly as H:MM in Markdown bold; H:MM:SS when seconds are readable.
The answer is **4:31:37**
